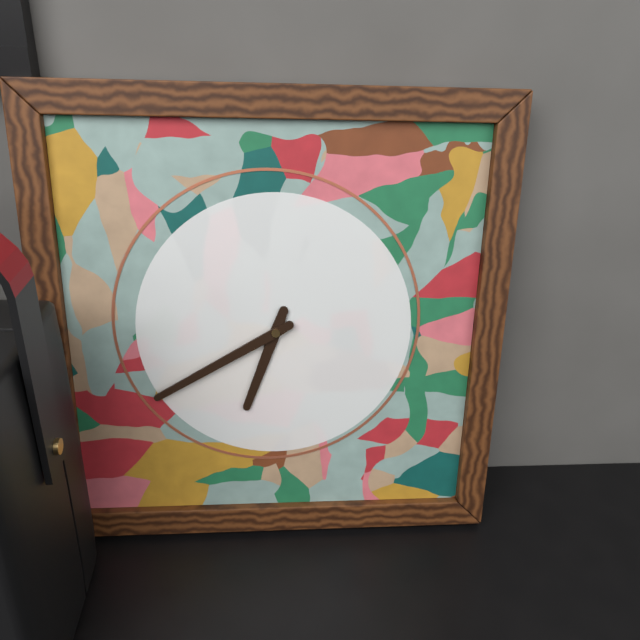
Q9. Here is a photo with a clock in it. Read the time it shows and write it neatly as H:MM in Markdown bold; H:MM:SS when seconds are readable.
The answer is **6:40**
